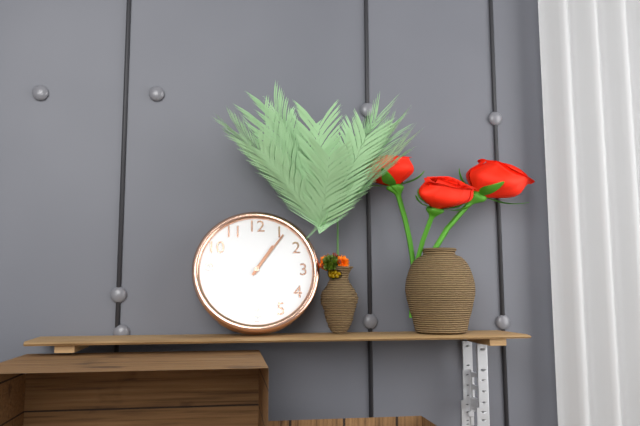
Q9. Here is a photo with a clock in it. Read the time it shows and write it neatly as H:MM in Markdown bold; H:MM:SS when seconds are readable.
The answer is **1:06**
